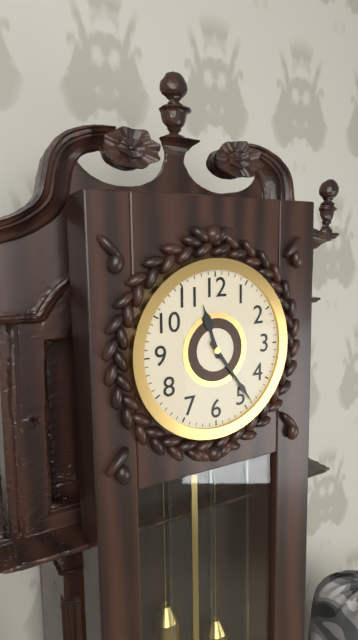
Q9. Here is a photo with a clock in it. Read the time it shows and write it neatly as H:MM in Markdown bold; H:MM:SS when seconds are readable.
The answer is **11:24**
